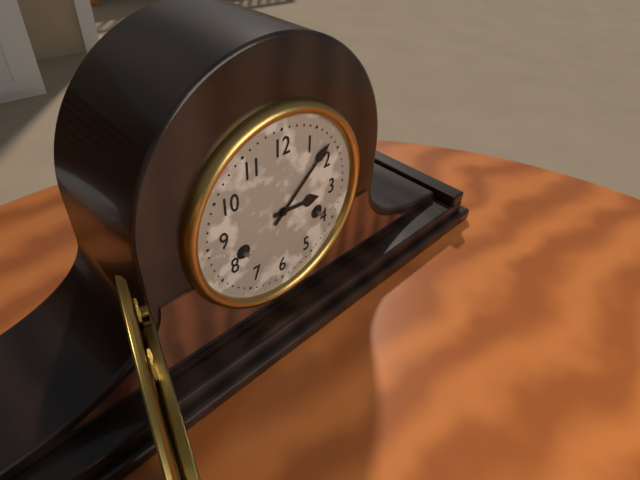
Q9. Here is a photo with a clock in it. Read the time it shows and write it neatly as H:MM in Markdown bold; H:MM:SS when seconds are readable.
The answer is **3:08**
